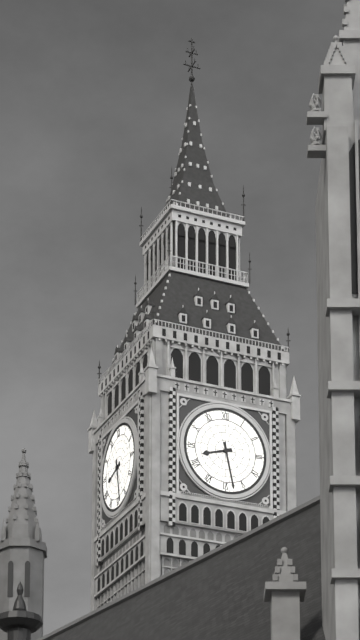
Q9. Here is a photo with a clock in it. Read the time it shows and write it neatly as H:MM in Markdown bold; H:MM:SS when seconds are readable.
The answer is **8:28**
